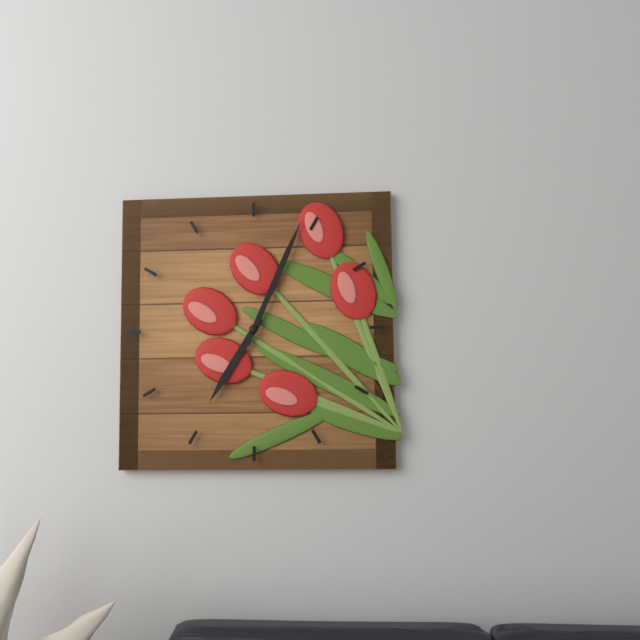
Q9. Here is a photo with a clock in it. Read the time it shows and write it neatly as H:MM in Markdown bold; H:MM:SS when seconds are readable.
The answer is **7:04**
